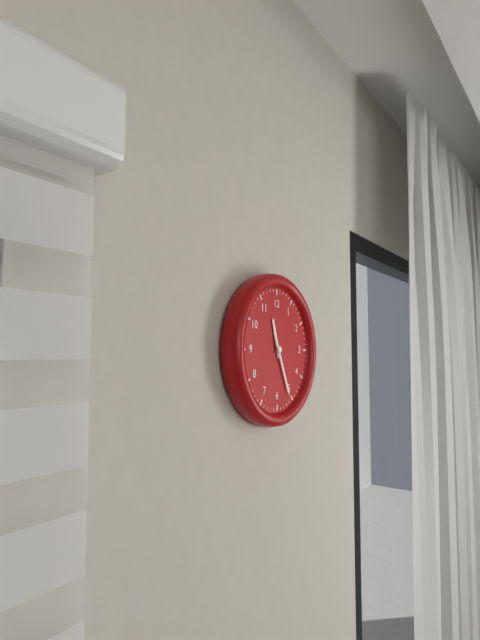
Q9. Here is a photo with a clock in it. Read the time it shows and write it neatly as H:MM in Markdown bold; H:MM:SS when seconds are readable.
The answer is **11:26**
